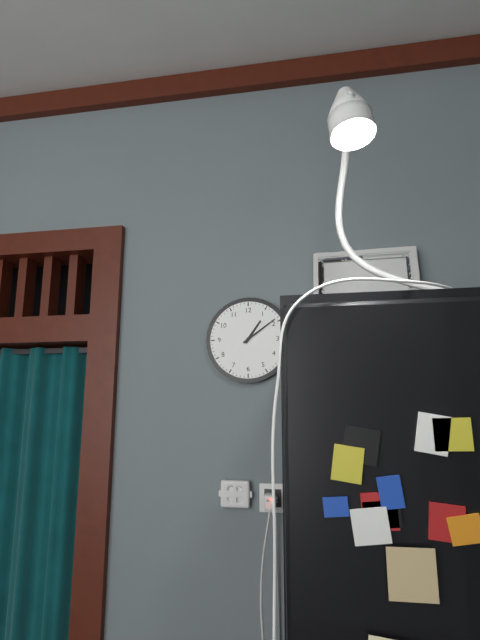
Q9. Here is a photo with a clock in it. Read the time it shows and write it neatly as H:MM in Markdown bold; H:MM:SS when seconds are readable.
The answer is **1:09**
